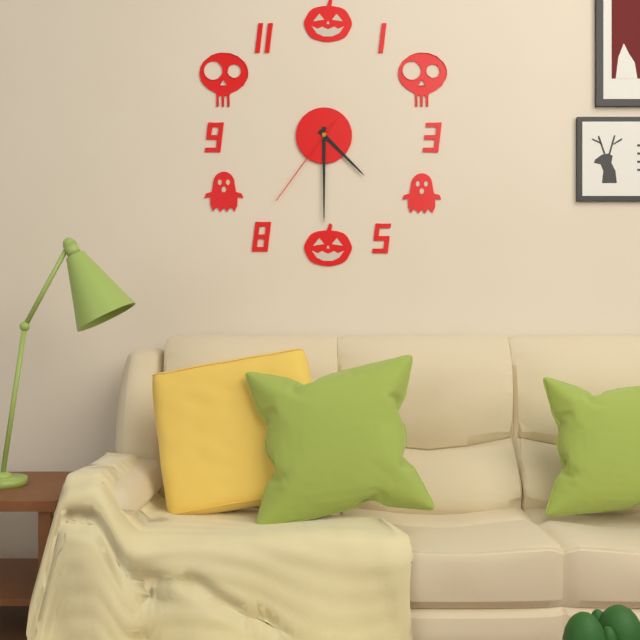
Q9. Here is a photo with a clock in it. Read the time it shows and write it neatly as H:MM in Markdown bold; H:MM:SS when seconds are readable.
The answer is **4:30:36**
